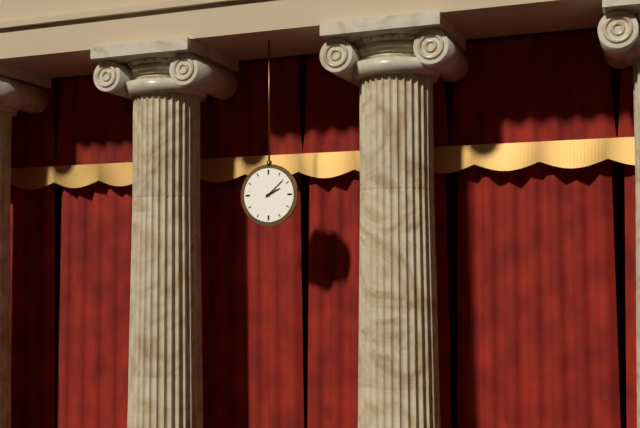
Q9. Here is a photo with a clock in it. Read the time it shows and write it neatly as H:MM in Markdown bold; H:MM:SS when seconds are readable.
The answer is **2:08**
